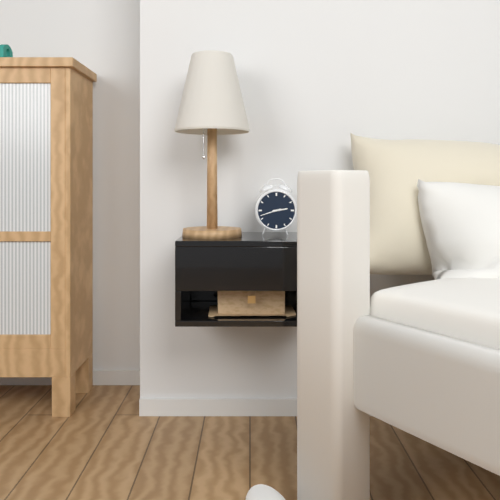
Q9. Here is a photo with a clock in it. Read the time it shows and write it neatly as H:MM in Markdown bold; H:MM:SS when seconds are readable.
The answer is **2:42**
